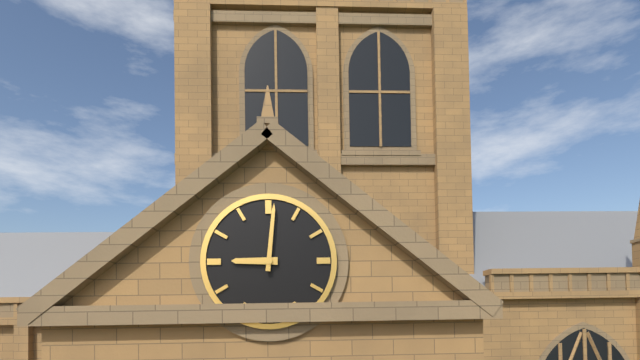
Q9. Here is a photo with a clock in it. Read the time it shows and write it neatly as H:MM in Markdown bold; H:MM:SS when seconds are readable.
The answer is **9:01**
